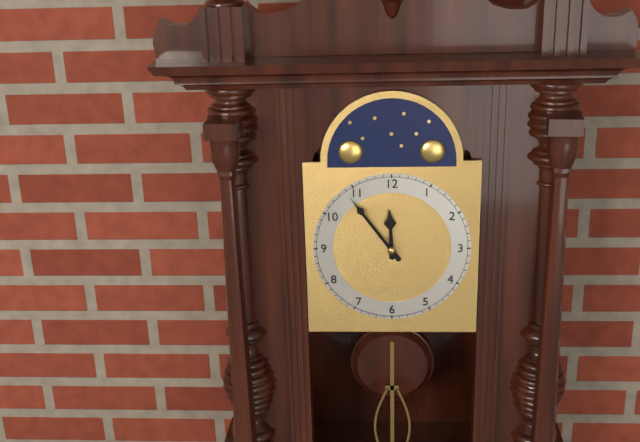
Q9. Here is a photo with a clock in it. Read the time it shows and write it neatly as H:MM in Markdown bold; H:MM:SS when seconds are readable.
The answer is **11:54**
